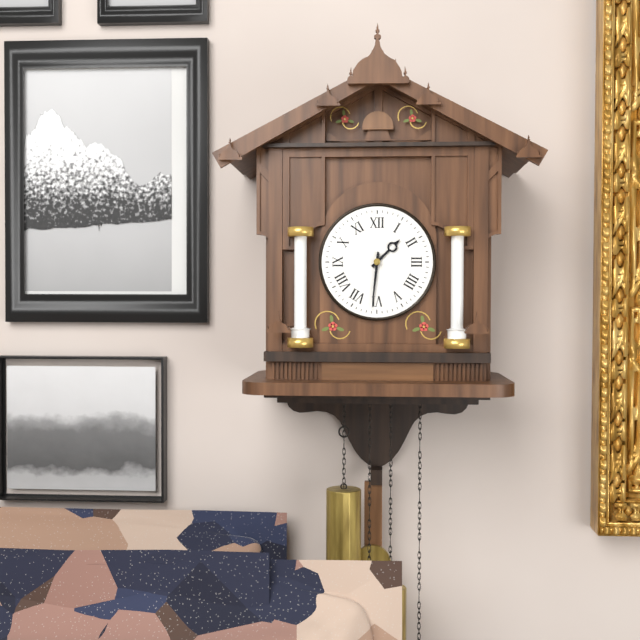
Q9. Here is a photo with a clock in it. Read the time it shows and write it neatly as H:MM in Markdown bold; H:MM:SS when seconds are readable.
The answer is **1:31**
